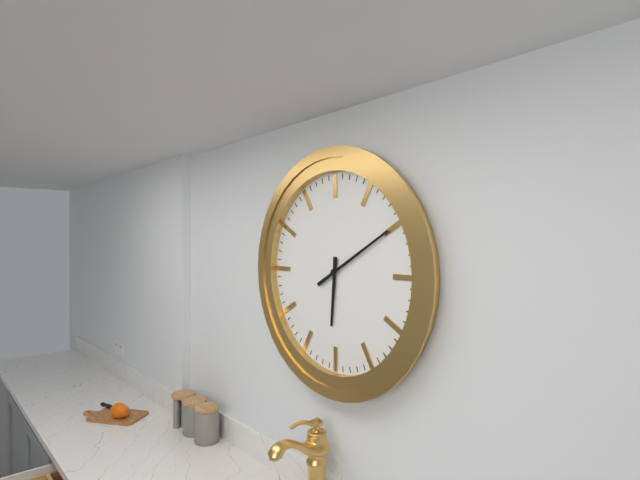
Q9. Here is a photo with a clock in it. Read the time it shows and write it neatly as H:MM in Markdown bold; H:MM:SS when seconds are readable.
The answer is **6:10**
